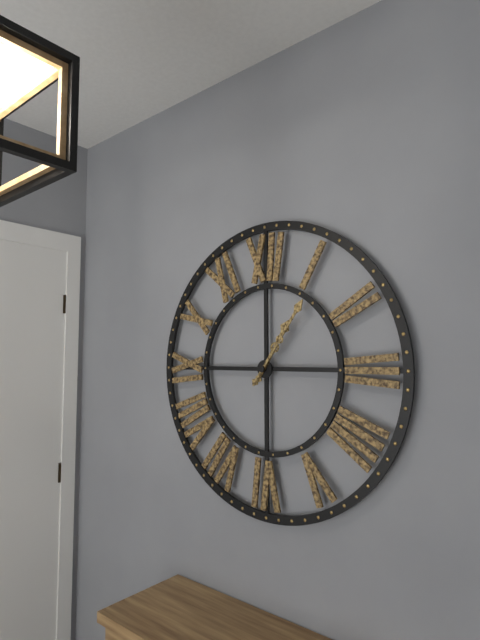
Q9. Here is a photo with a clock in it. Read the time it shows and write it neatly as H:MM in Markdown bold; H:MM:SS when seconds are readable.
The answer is **1:06**
